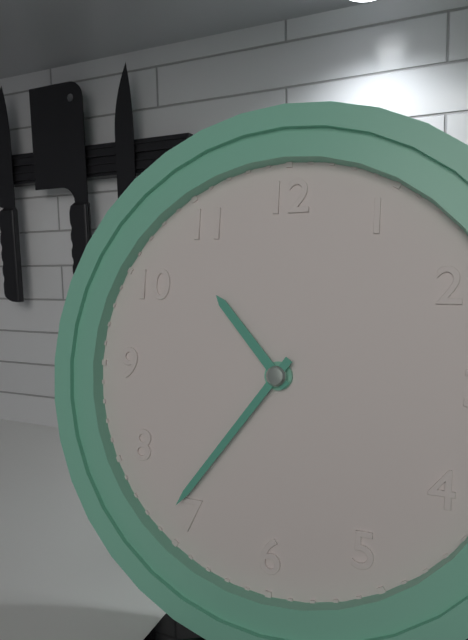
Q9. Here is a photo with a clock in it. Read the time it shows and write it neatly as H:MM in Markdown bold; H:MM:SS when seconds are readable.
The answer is **10:36**
